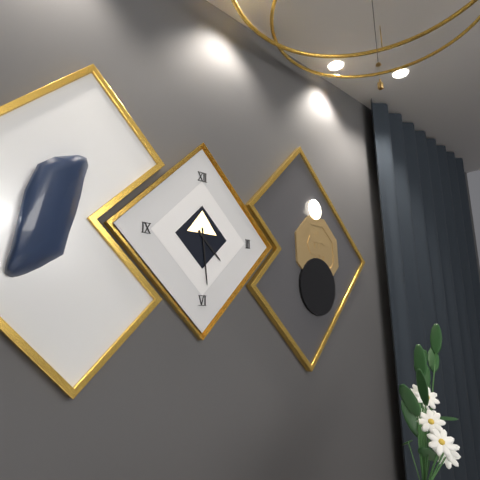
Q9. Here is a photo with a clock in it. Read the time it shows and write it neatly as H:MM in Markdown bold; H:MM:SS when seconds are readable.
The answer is **4:29**
